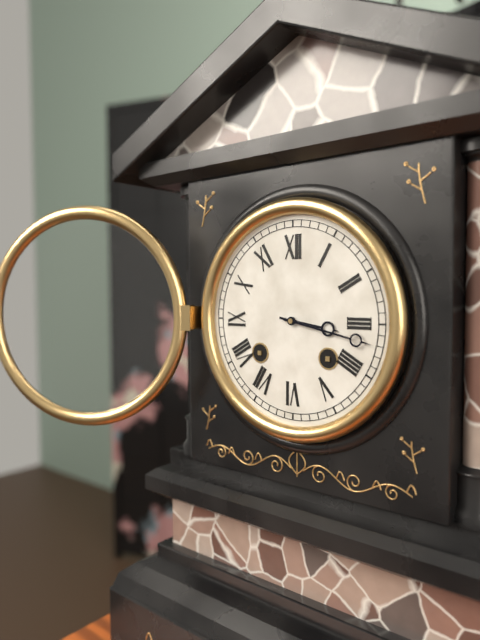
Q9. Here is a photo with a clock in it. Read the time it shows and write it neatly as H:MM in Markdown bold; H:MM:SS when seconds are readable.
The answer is **3:17**
